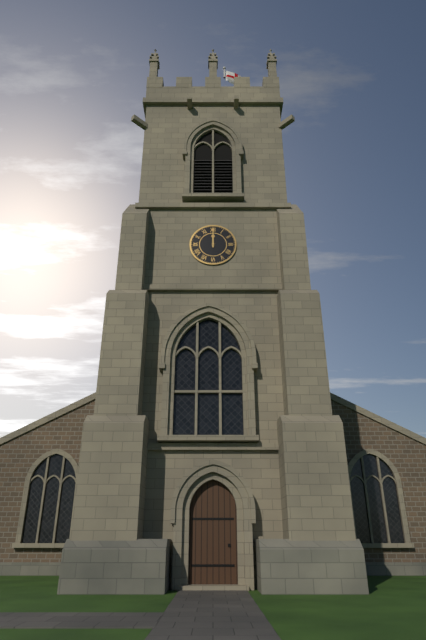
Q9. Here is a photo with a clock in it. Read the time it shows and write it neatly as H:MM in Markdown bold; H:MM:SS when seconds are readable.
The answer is **12:00**
